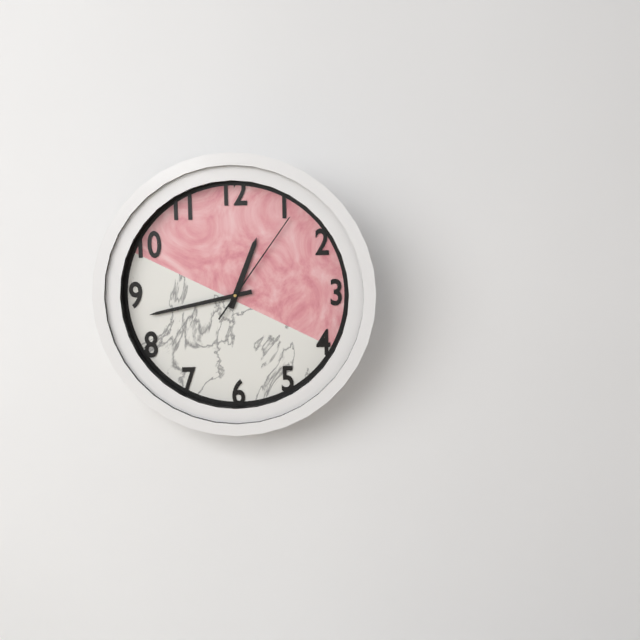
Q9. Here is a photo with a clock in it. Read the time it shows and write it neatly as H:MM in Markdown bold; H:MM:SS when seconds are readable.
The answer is **12:43:06**
